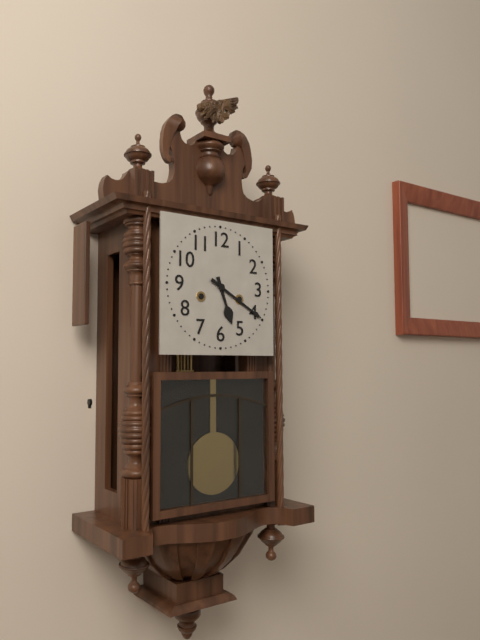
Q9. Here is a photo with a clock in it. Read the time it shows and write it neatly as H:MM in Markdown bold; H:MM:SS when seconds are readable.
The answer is **5:20**
